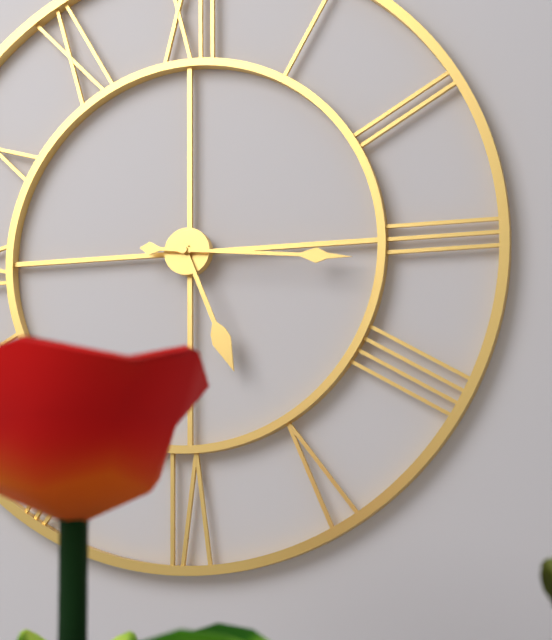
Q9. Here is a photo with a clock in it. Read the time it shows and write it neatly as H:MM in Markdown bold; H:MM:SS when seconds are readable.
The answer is **5:16**
